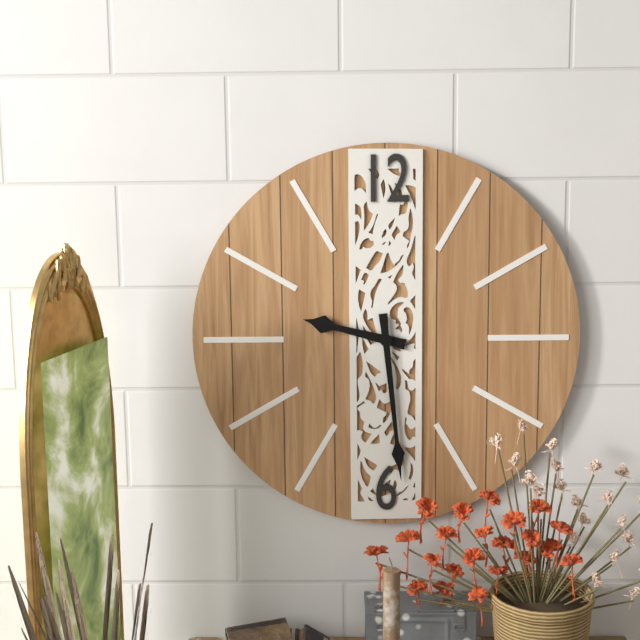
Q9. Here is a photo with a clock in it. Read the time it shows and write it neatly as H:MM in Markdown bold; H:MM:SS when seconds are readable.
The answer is **9:29**
